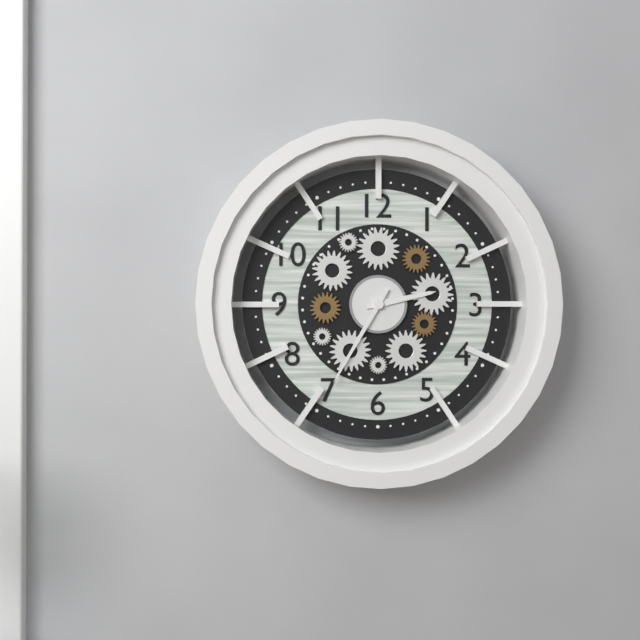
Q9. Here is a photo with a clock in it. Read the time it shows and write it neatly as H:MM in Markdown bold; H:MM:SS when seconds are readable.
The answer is **2:35**
